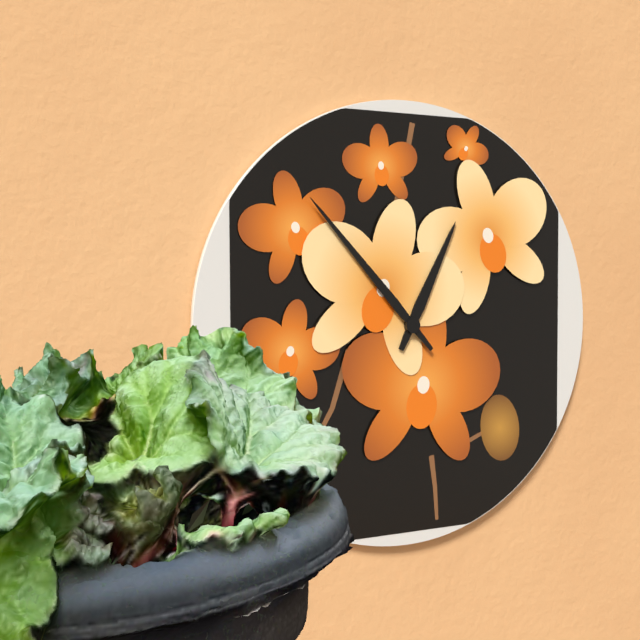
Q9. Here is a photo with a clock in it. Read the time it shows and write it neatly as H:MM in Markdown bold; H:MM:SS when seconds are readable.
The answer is **12:53**
